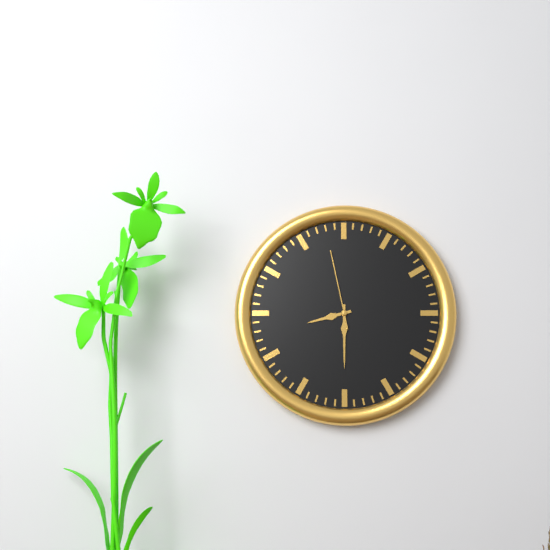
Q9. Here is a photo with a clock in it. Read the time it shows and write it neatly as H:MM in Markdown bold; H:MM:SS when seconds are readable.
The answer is **8:30:58**
